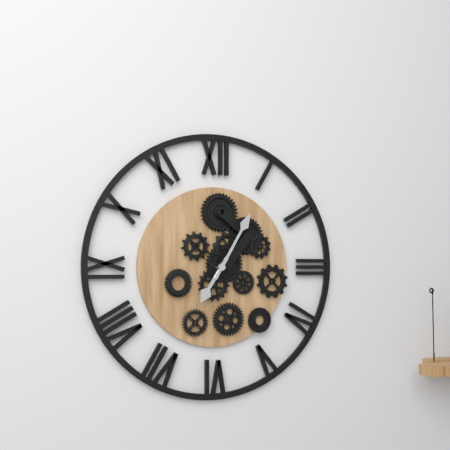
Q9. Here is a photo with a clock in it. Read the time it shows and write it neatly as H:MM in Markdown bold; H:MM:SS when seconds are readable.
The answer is **7:05**
